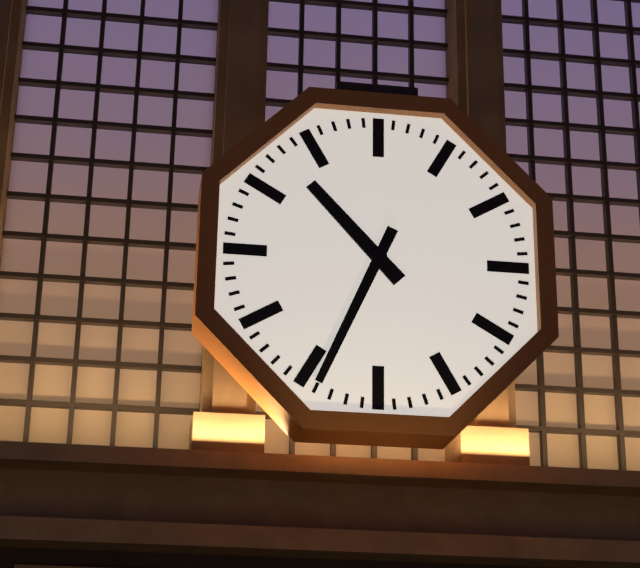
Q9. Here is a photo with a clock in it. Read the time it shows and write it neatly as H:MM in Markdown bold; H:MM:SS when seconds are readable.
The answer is **10:34**
